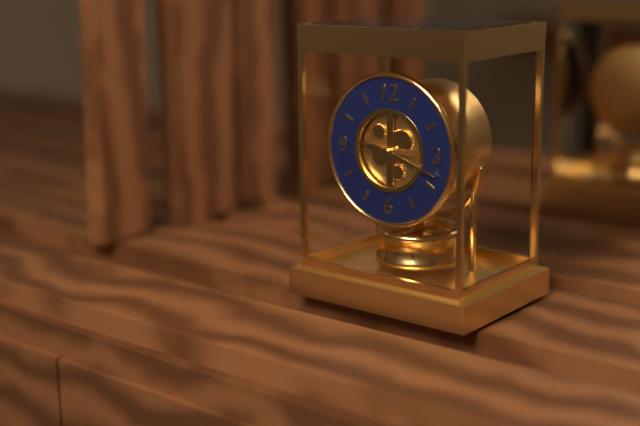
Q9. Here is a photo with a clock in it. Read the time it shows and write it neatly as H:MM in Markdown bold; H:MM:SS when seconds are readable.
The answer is **9:18**
